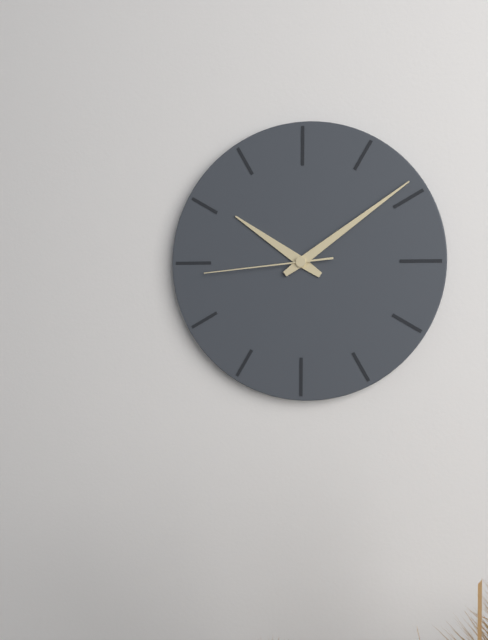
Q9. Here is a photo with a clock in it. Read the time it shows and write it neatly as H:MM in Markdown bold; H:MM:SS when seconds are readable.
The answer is **10:09:44**
